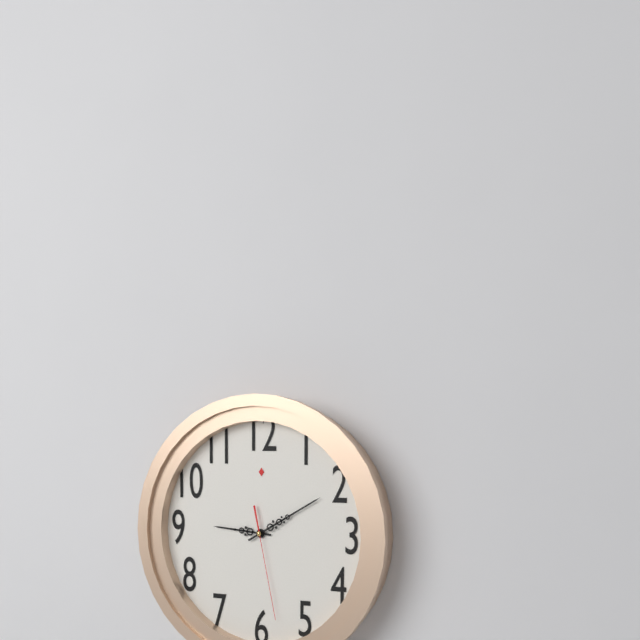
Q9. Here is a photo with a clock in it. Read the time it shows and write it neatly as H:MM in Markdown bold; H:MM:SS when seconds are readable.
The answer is **9:10:28**
